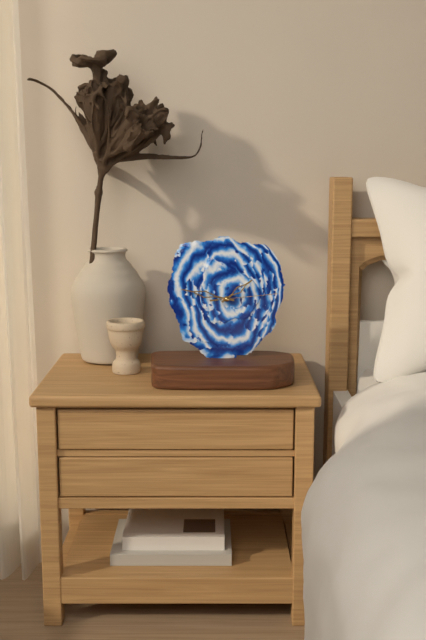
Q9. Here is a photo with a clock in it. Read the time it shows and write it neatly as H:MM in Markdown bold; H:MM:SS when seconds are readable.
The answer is **1:47:14**
